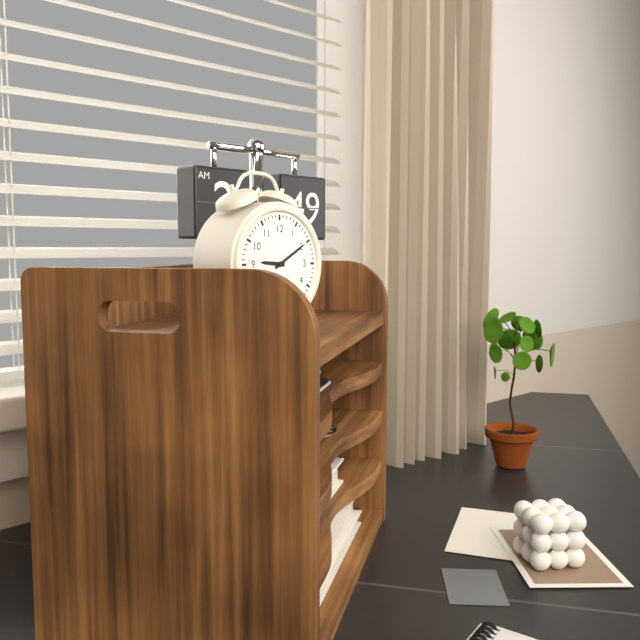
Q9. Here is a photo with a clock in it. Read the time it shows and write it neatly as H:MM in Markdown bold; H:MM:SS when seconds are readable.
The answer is **9:10**
